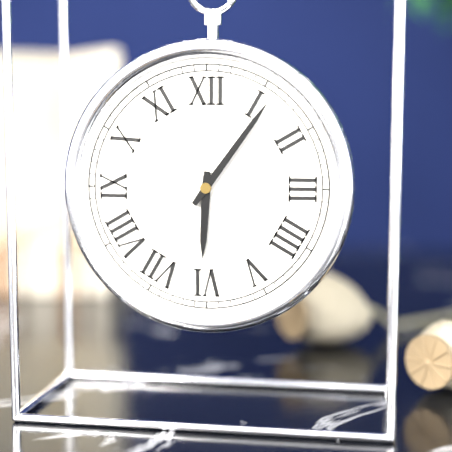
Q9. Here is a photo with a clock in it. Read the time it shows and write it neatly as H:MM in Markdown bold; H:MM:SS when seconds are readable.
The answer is **6:06**
